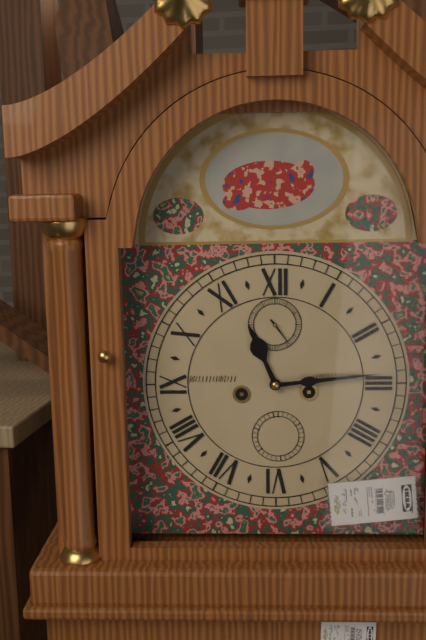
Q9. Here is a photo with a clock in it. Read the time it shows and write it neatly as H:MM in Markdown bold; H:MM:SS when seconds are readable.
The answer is **11:14**
